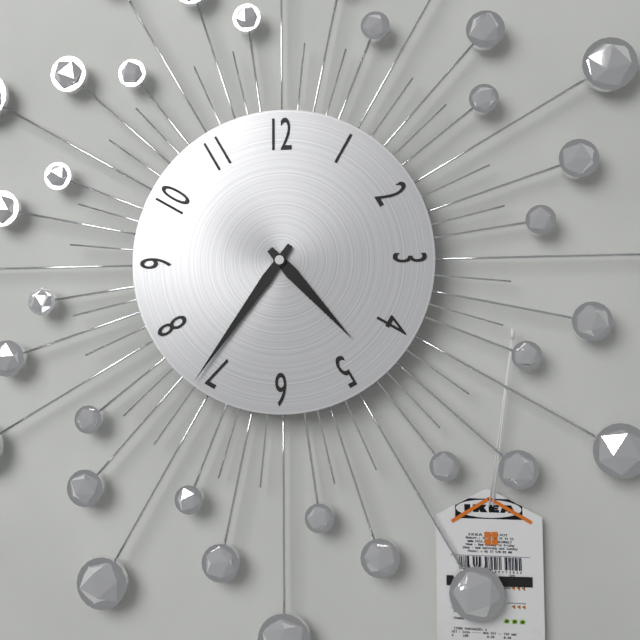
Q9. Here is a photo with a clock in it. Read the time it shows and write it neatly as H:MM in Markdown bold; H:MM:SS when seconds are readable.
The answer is **4:36**
